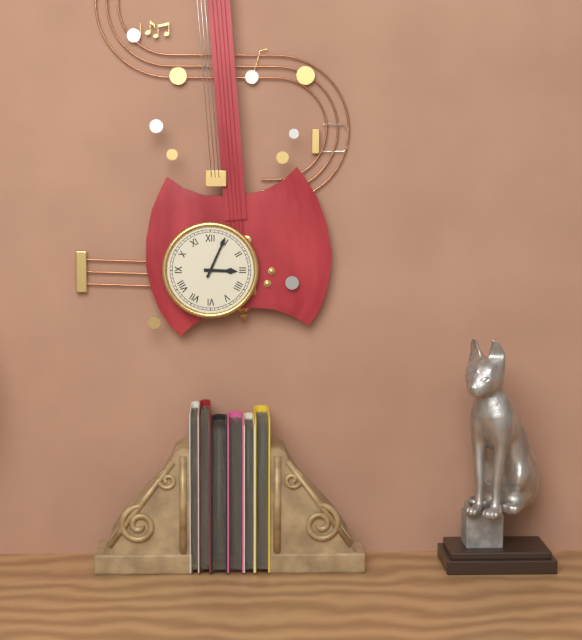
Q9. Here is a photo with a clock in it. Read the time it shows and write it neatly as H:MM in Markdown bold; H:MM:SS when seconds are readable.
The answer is **3:04**
